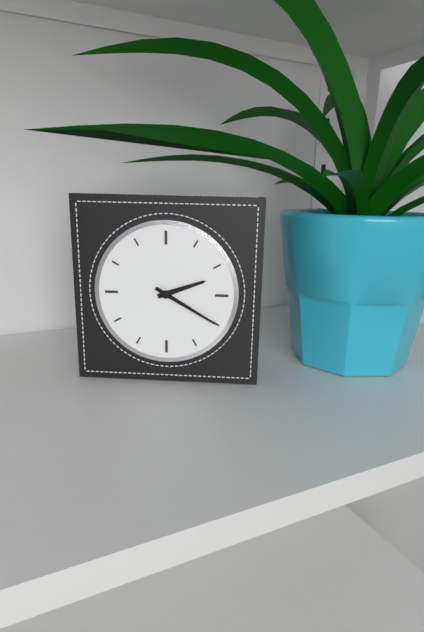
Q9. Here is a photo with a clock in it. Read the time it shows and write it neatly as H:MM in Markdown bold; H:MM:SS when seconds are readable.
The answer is **2:20**
